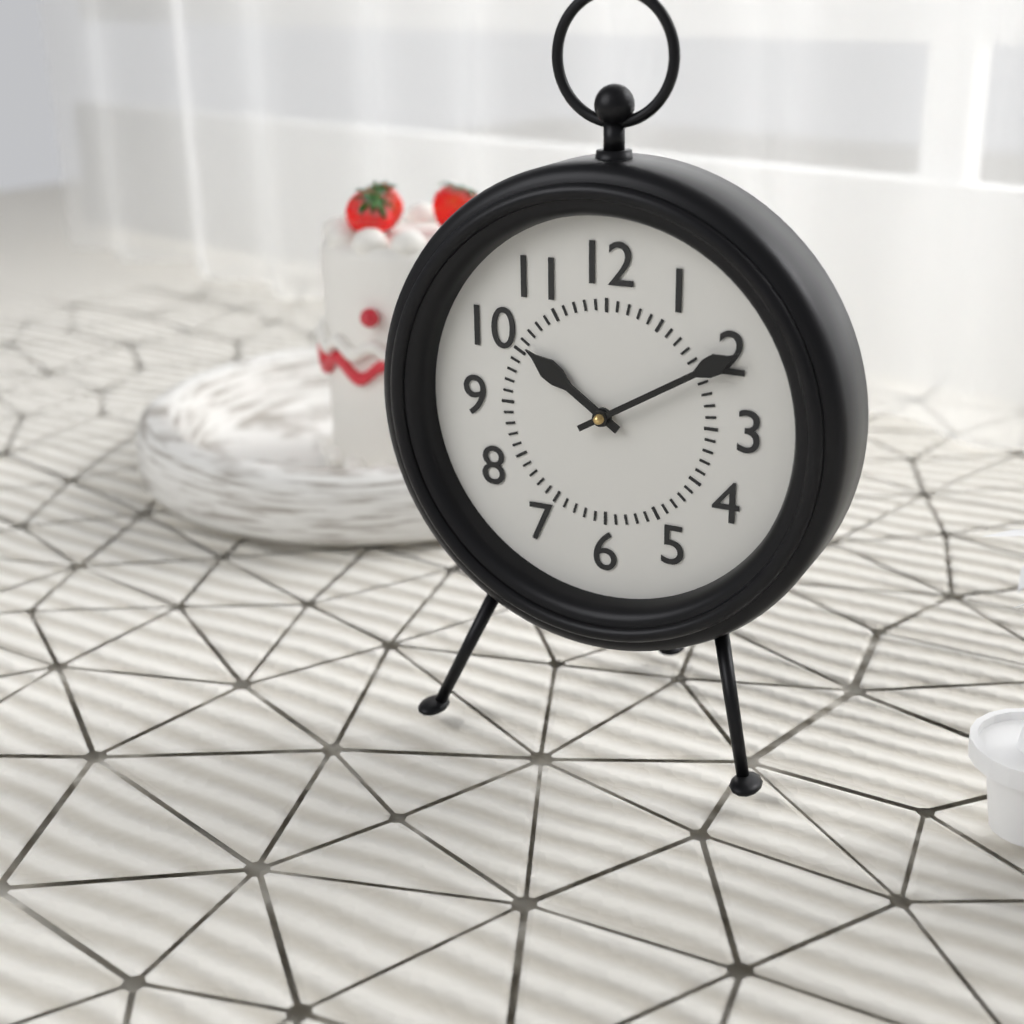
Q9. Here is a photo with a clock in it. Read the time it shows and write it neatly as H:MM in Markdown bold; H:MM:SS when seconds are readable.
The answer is **10:10**
